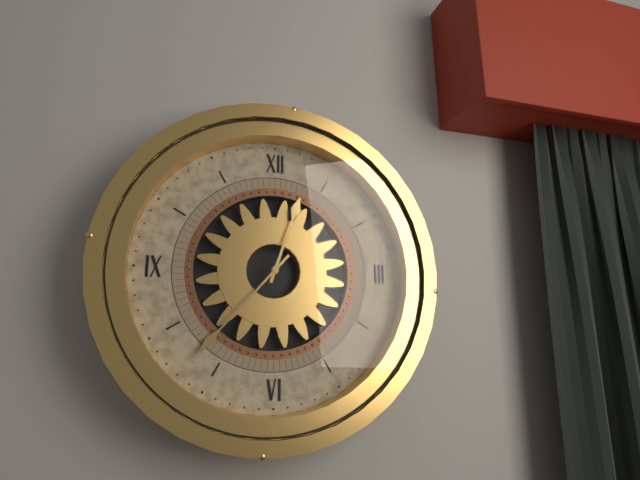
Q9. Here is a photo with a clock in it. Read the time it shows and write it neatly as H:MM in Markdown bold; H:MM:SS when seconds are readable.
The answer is **12:37**
